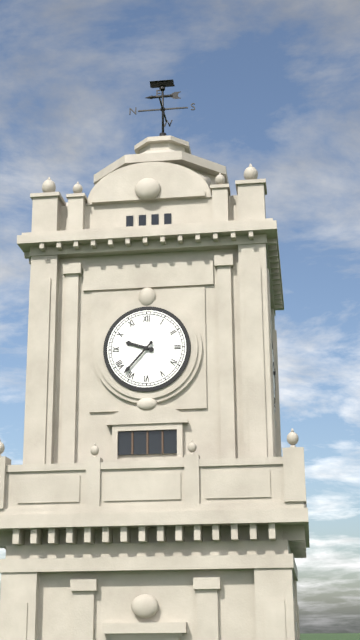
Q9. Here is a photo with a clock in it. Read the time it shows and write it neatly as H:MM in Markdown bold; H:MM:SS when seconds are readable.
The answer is **9:37**
